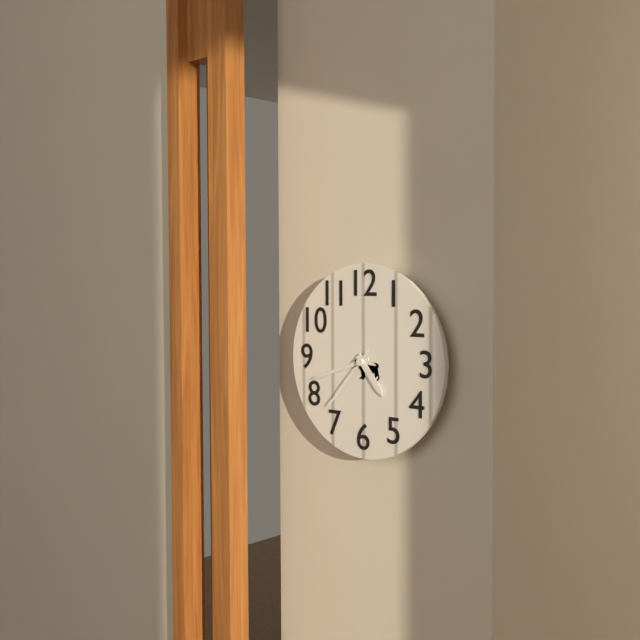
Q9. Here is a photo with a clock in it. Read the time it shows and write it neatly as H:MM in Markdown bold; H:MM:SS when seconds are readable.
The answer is **4:42:37**
